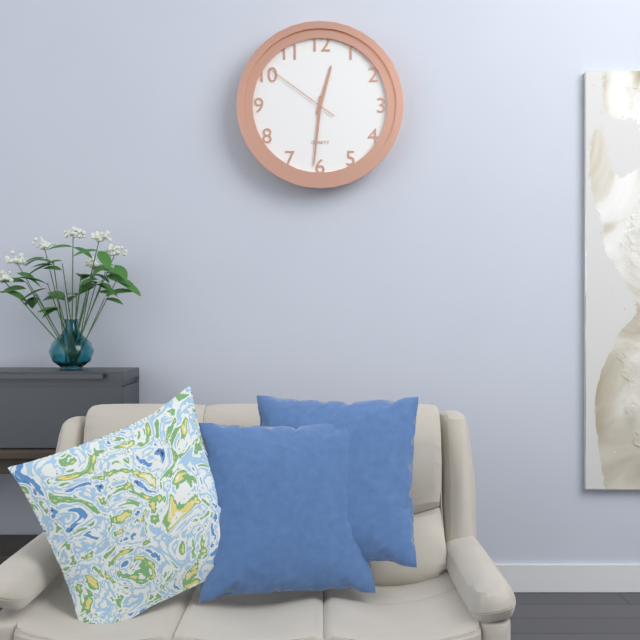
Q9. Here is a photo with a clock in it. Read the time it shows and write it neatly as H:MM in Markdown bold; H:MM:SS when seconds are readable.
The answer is **12:31:51**
